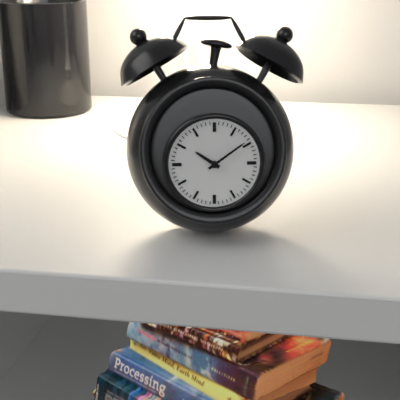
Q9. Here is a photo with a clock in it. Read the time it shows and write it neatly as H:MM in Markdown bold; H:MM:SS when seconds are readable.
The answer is **10:09**
